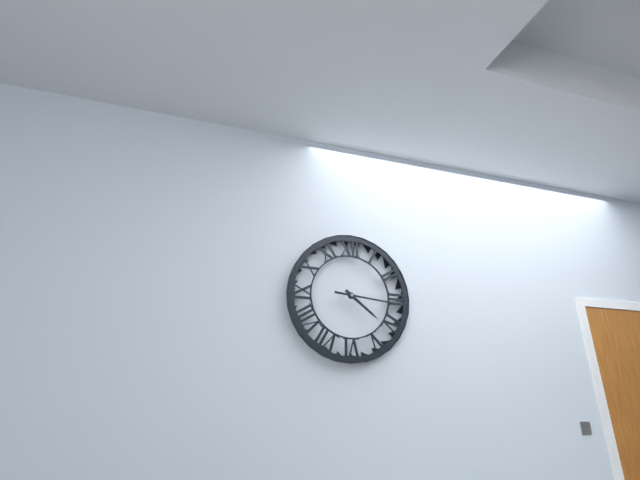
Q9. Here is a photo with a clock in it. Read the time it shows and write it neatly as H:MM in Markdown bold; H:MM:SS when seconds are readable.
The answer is **4:16**
